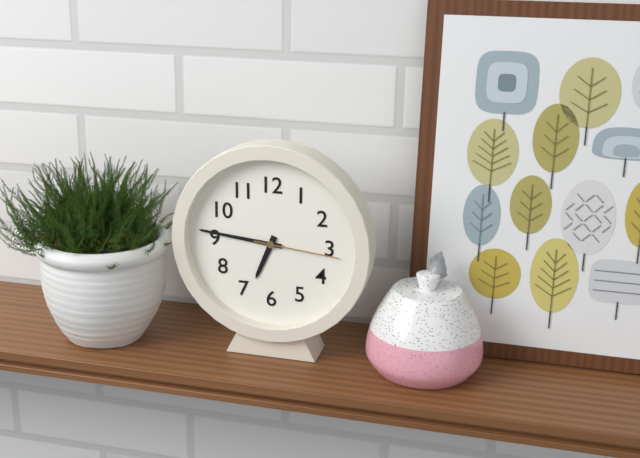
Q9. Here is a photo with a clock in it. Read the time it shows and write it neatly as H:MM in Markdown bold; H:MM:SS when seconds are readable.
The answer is **6:46:16**
